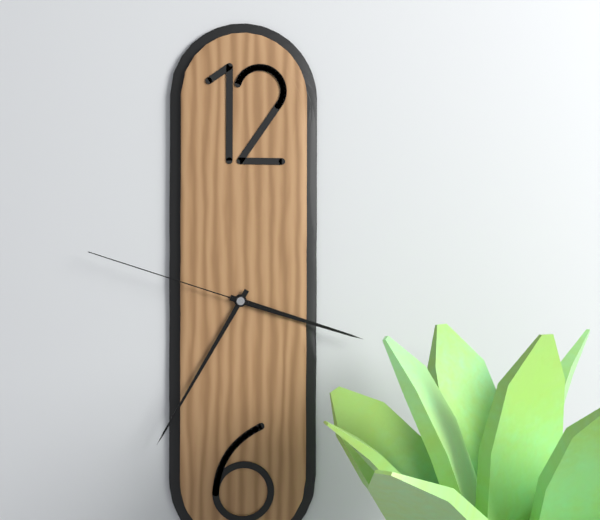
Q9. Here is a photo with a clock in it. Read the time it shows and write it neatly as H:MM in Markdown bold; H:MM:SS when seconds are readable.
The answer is **3:35:48**
